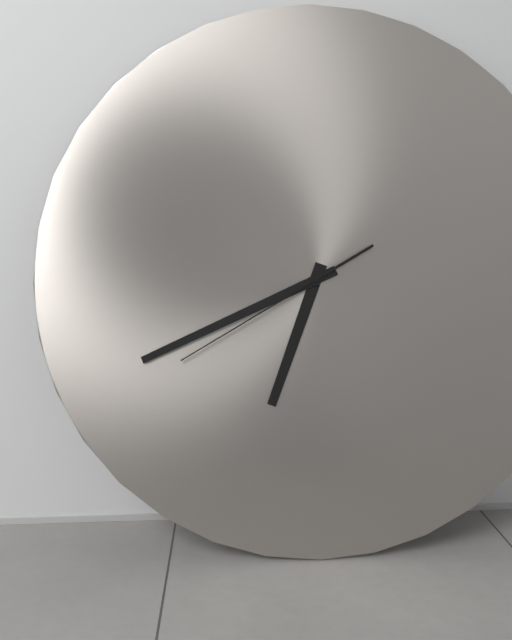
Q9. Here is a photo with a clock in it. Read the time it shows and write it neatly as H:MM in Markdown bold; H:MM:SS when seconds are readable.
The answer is **6:41:40**
